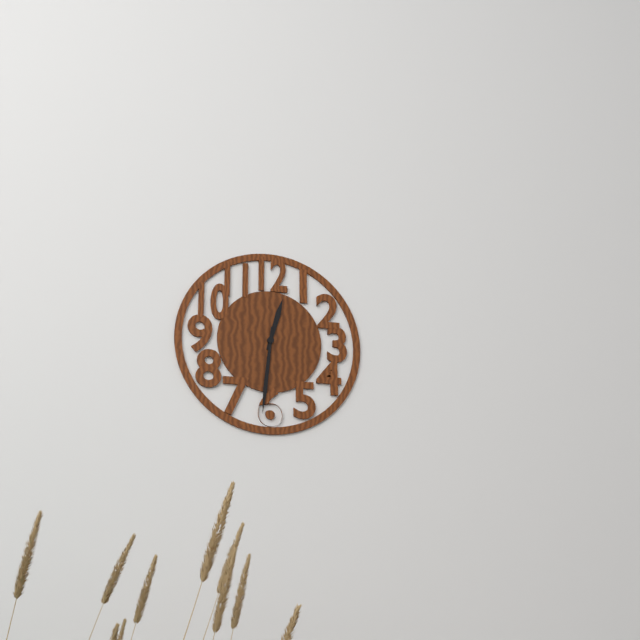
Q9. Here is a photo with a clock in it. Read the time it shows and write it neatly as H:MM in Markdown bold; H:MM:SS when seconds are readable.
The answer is **12:31**
